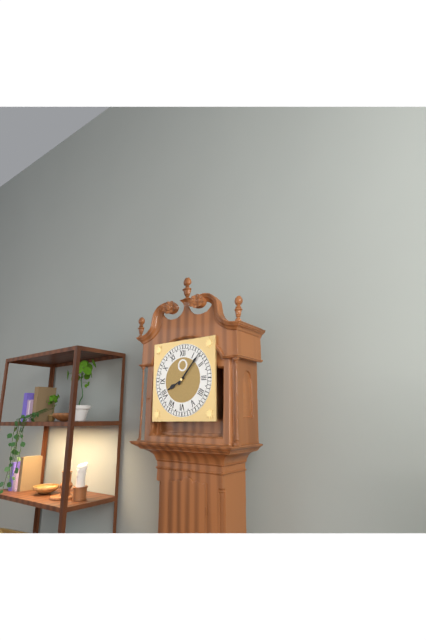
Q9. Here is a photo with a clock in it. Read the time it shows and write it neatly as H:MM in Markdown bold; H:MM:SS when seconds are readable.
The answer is **8:07**
